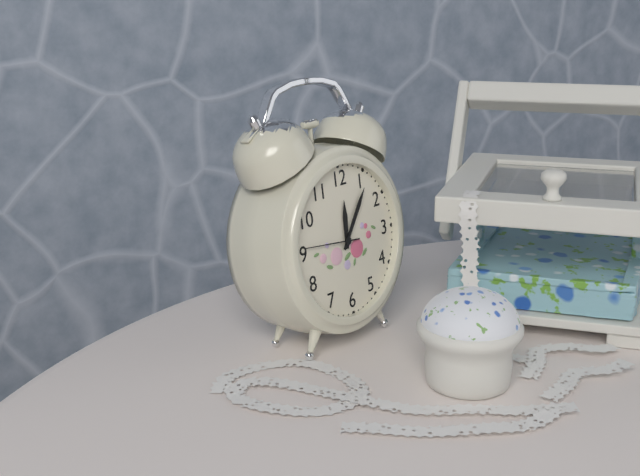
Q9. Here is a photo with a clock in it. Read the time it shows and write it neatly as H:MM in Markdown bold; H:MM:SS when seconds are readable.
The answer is **12:06:46**
